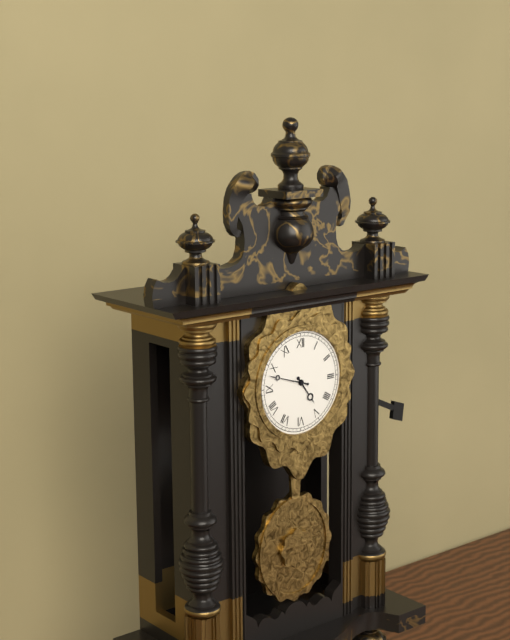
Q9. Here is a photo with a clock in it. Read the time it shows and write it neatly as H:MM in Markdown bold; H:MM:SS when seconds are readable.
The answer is **4:48**
